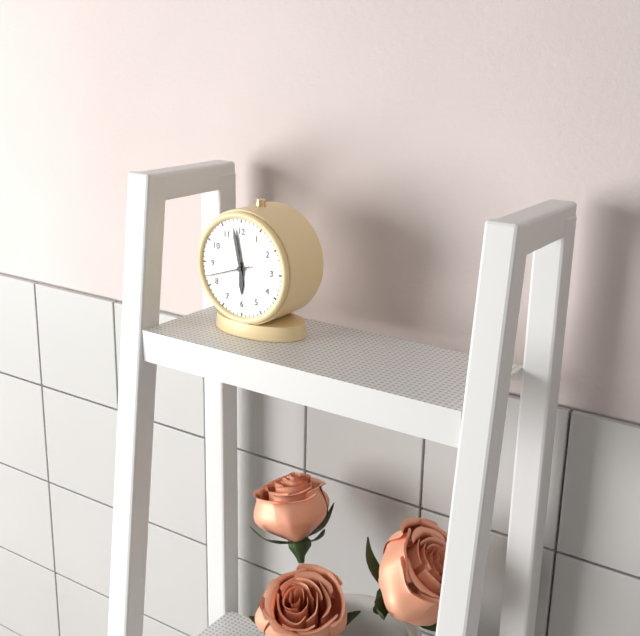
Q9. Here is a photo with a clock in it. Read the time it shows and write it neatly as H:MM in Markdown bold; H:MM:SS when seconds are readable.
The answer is **5:58**
